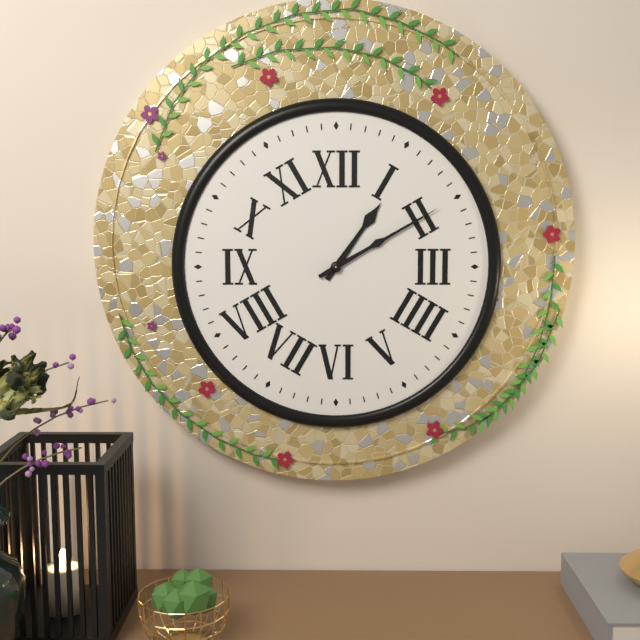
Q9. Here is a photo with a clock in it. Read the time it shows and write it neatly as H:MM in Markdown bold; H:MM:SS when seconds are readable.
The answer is **1:10**
